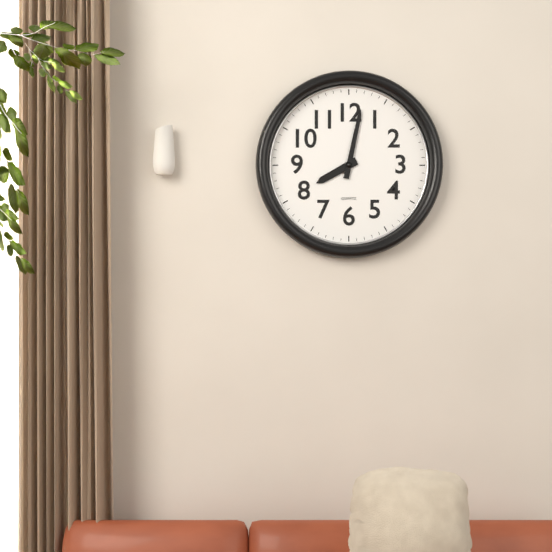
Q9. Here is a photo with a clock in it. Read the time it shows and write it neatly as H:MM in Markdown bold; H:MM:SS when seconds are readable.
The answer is **8:02**
